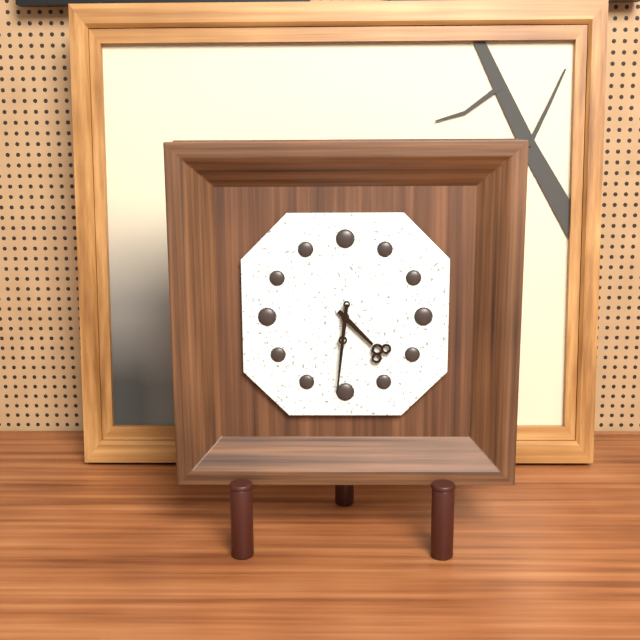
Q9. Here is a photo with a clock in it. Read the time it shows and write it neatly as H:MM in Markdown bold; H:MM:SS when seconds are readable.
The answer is **4:31**
